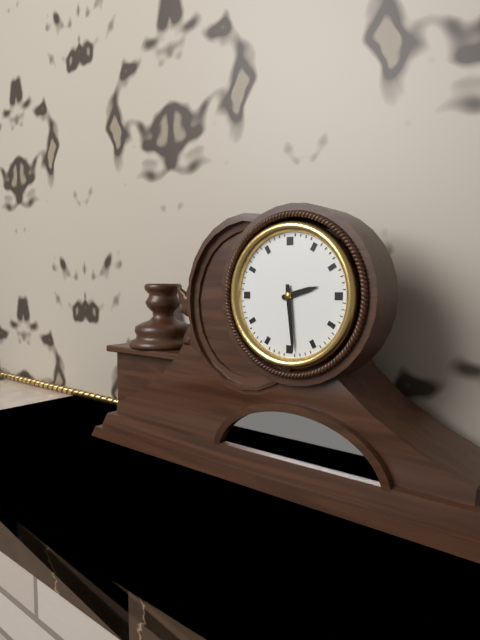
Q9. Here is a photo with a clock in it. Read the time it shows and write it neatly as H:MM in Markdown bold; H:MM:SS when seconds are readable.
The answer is **2:29**
